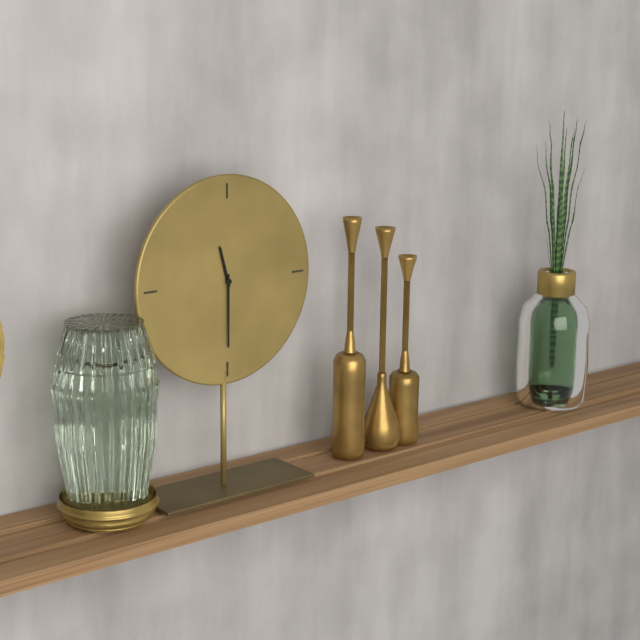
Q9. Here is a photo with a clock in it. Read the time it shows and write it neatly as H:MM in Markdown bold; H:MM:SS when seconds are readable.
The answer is **11:30**
